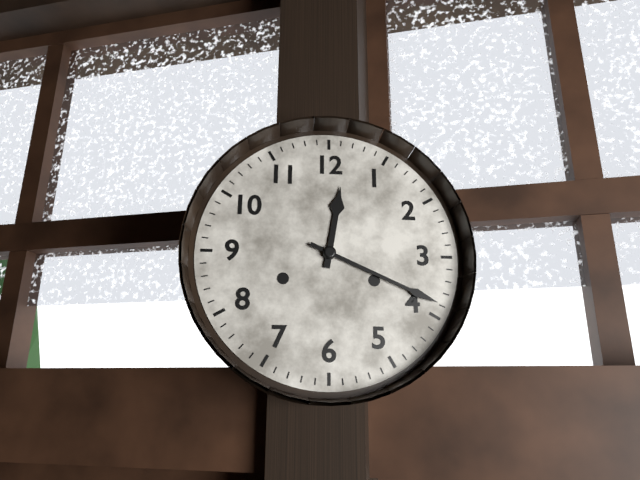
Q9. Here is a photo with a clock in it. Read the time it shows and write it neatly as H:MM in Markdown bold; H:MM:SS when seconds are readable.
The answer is **12:19**
